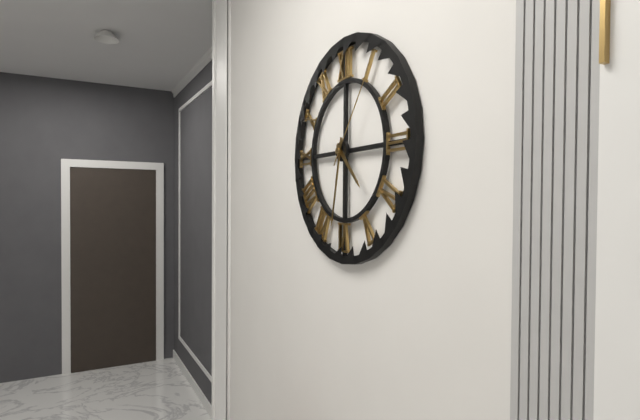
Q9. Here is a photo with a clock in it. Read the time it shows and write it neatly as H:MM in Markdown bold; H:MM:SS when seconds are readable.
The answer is **4:32:06**
